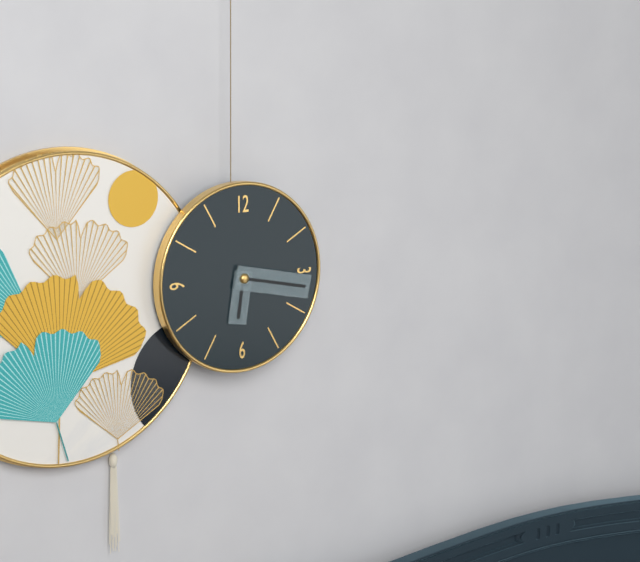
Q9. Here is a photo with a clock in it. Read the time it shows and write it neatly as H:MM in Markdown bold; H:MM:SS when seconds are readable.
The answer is **6:17**
